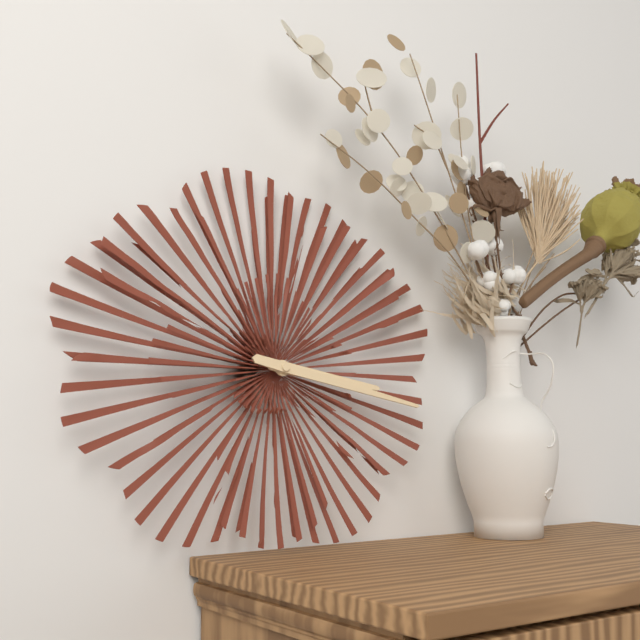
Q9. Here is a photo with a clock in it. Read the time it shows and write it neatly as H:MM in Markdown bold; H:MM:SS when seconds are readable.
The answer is **3:17**
